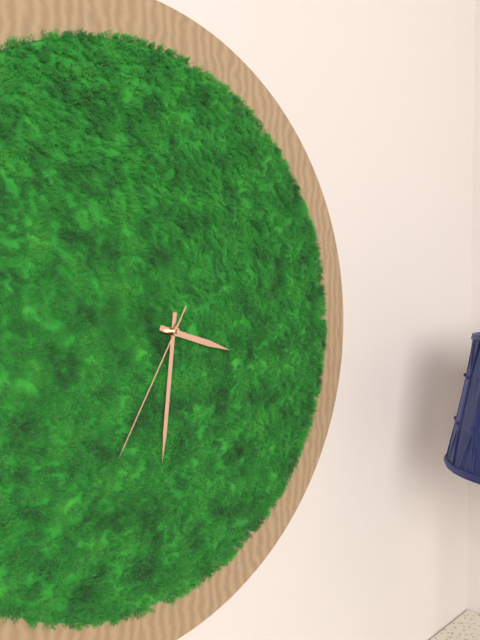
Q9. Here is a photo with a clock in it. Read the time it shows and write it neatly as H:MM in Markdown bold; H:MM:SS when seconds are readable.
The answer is **3:31:35**
